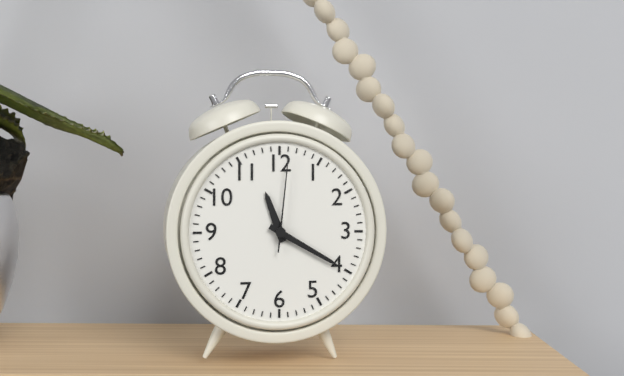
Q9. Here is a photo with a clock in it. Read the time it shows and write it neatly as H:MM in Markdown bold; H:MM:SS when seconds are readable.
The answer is **11:20:01**
